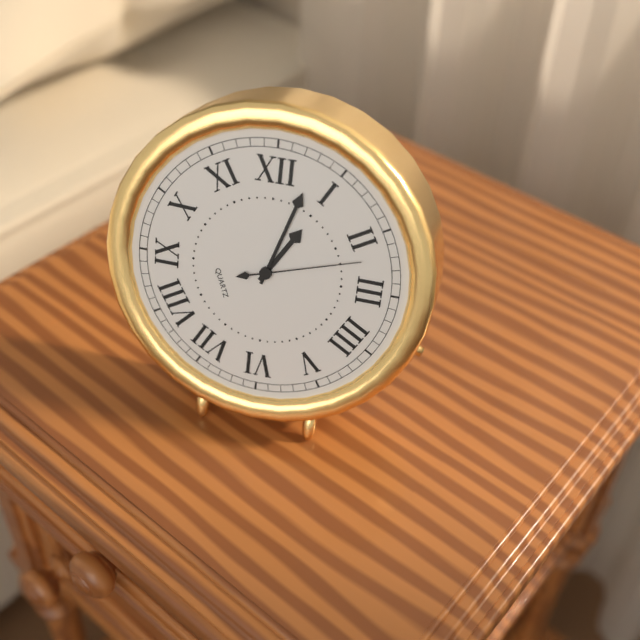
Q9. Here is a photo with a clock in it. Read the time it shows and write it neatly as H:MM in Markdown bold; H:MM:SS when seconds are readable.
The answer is **1:03:12**
